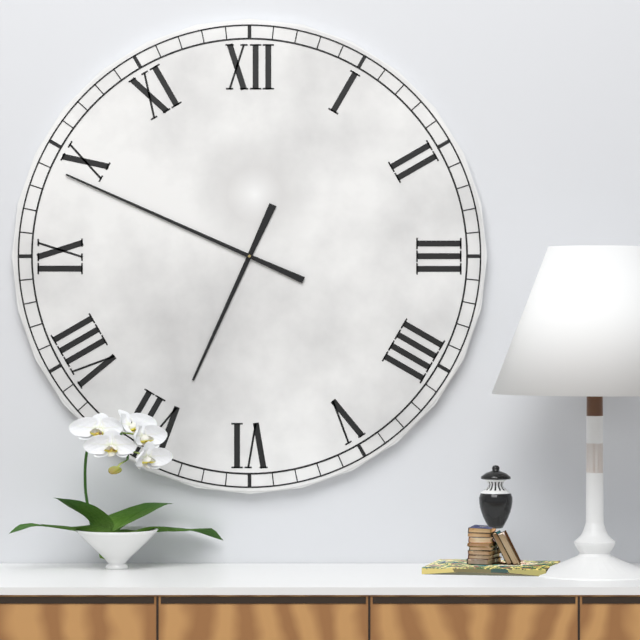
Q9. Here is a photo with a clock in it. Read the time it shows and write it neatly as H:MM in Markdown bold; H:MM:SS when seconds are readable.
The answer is **6:49**
